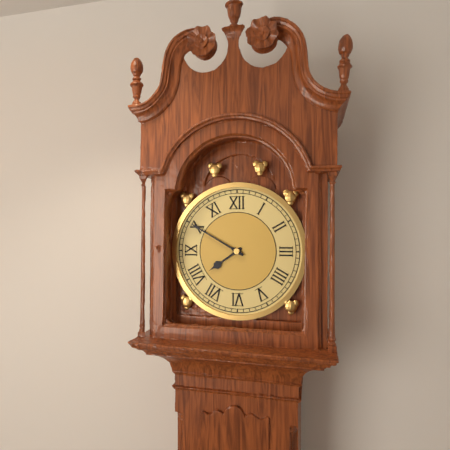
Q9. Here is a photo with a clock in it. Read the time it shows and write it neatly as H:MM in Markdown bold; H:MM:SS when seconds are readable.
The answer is **7:50**
